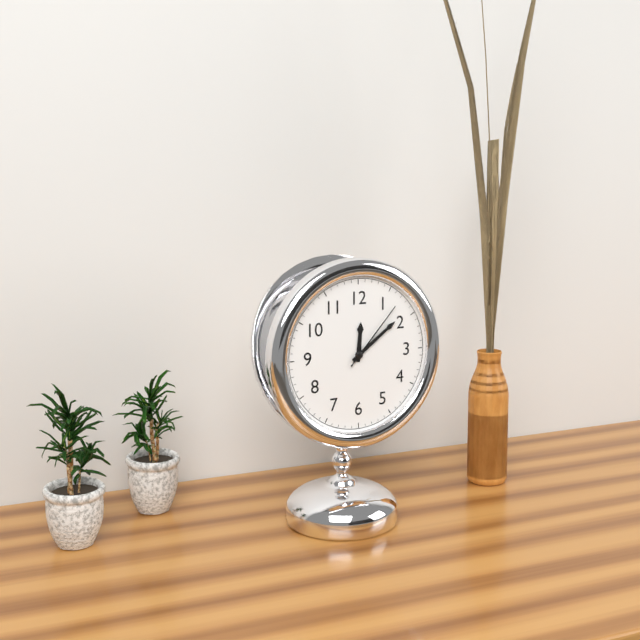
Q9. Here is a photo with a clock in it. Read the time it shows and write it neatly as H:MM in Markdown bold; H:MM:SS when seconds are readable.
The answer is **12:09:07**
